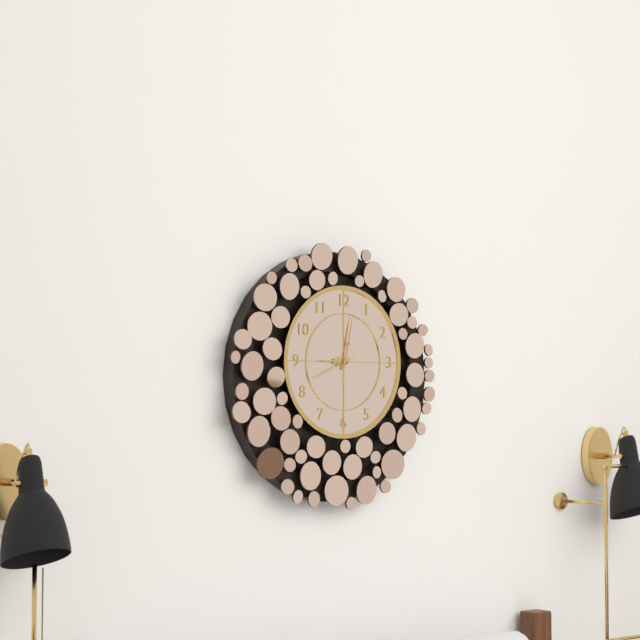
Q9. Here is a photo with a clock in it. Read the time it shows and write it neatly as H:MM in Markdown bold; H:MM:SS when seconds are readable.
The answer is **9:02**
